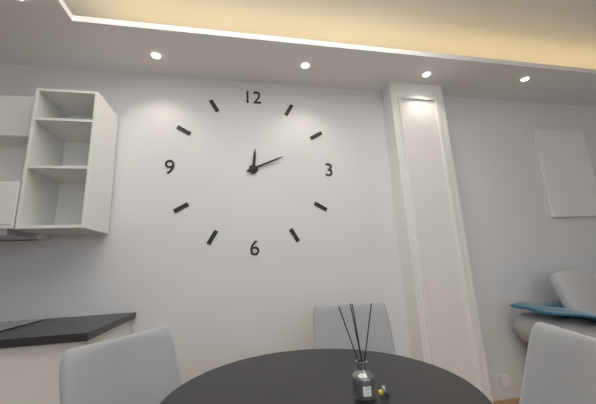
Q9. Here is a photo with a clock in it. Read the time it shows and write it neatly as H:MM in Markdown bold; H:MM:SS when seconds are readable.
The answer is **12:11**
